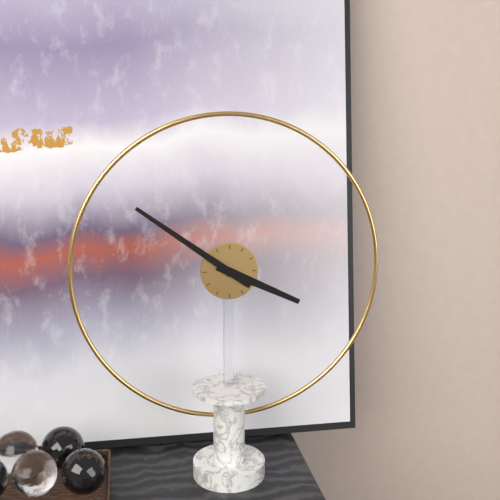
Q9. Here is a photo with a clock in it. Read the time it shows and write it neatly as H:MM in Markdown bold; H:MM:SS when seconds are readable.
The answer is **3:51**
